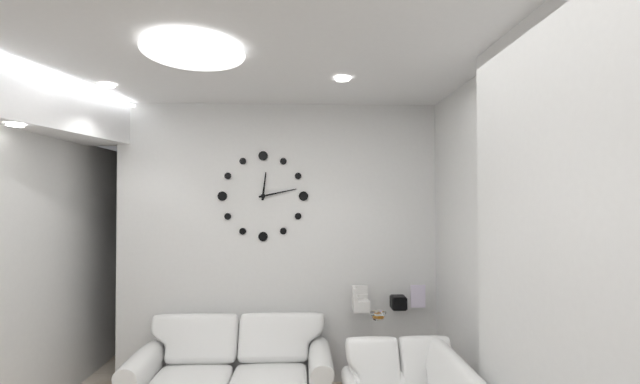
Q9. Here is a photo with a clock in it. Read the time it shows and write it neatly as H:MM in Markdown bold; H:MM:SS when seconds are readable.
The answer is **12:13**
